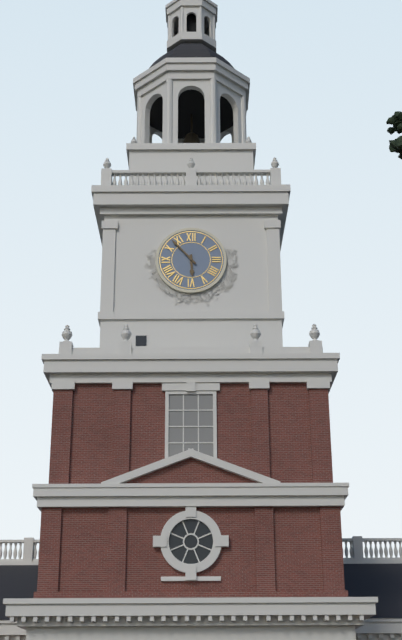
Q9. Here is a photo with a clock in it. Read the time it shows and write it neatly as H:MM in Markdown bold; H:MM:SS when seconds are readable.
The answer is **5:53**
